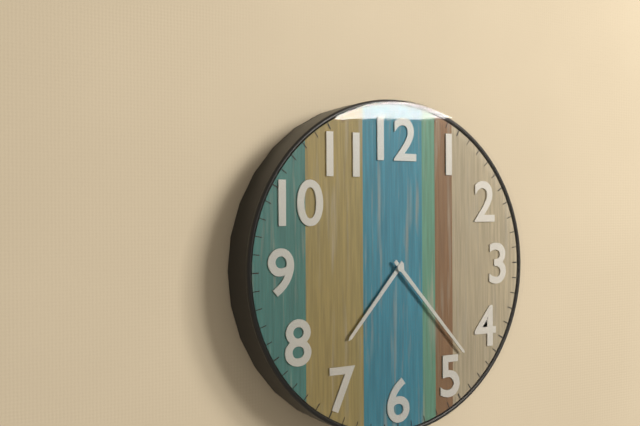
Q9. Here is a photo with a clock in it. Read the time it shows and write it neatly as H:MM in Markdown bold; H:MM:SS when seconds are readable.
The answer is **7:23**
